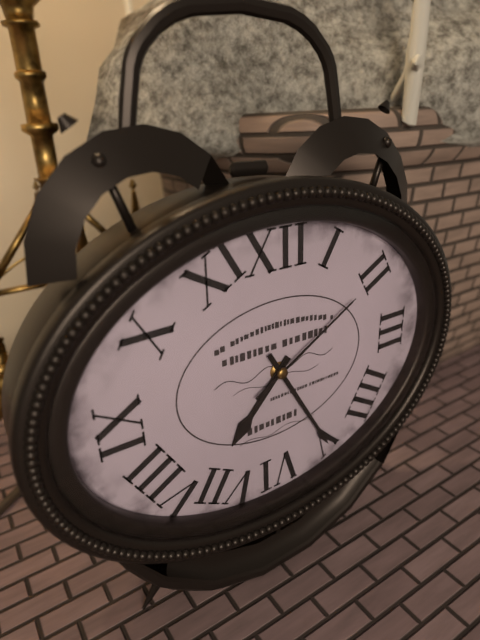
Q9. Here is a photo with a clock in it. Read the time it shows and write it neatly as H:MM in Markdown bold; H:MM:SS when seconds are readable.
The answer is **7:25:10**
